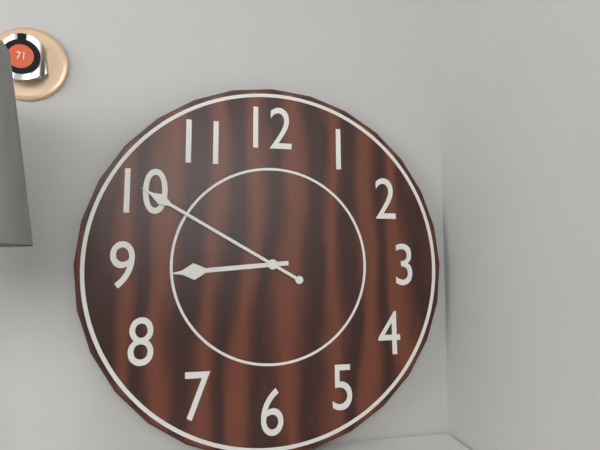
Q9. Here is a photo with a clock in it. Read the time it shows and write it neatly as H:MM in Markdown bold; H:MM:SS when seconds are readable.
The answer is **8:50**
